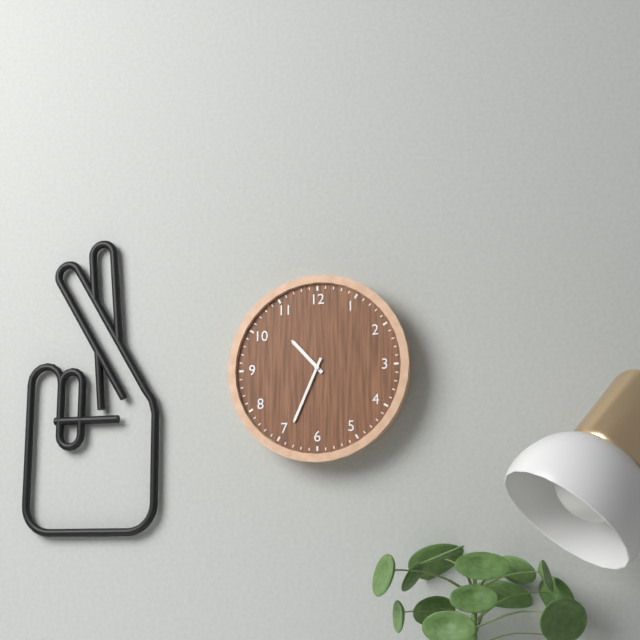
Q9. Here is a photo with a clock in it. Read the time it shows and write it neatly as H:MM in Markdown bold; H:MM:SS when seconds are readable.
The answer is **10:34**
